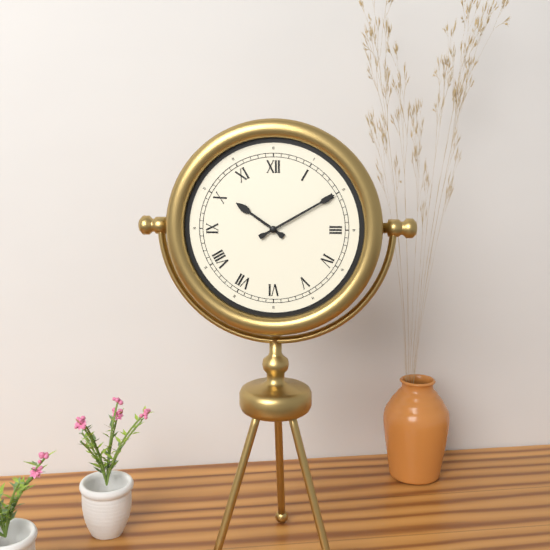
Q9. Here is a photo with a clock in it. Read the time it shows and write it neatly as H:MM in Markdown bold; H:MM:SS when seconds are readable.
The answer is **10:10**
